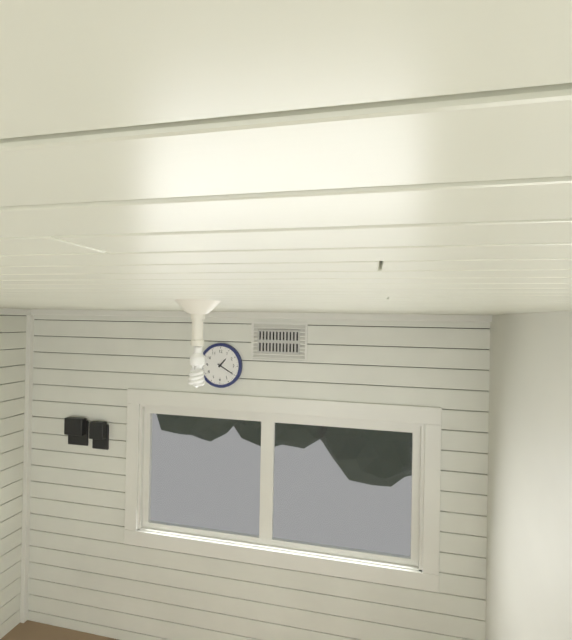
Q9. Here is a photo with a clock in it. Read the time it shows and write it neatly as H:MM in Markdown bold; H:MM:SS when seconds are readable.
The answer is **1:20**
